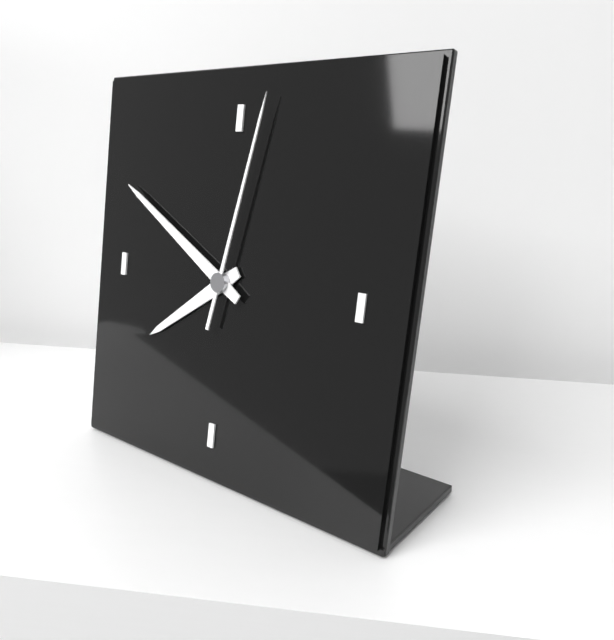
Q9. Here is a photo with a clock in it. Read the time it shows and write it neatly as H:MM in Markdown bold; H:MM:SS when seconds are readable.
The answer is **7:50:02**
